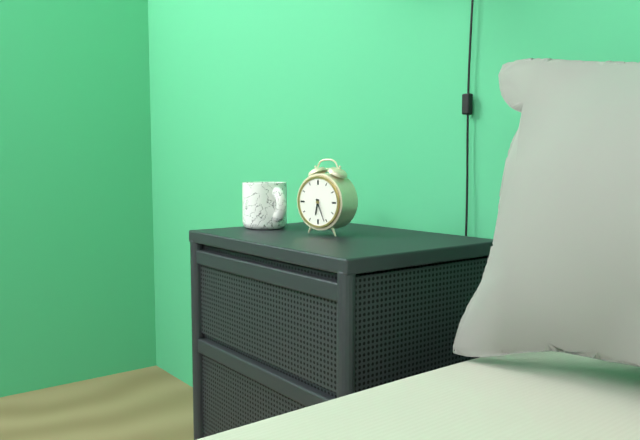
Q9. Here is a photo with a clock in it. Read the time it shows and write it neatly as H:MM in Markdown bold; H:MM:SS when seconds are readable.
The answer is **6:26**
